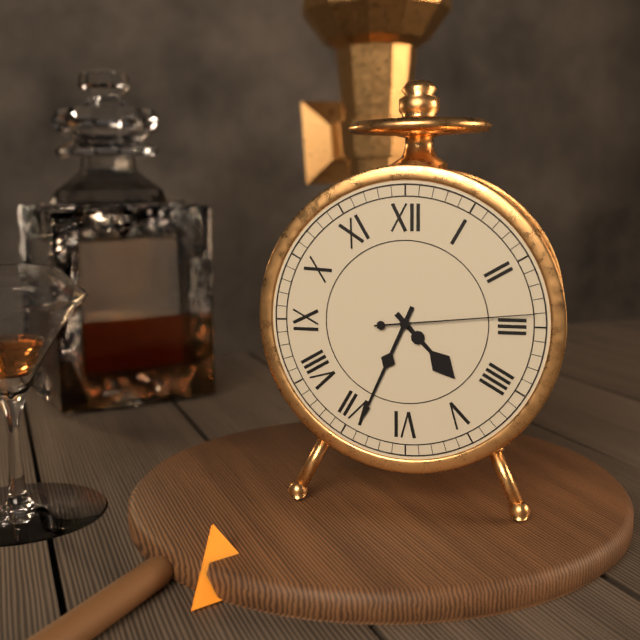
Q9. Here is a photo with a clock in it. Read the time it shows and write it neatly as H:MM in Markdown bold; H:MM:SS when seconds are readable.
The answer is **4:34:14**
